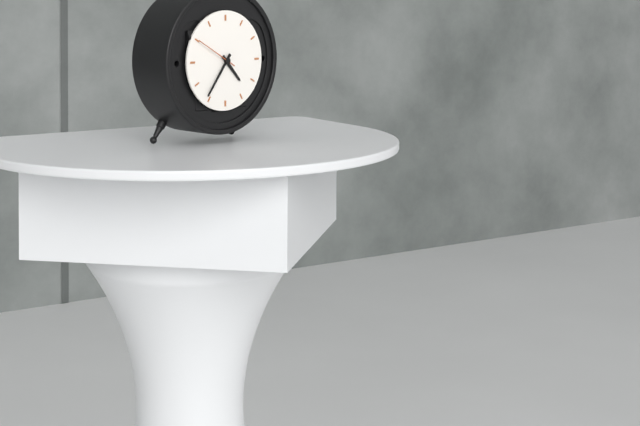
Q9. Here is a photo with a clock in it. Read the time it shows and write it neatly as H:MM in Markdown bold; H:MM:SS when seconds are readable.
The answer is **4:36**
